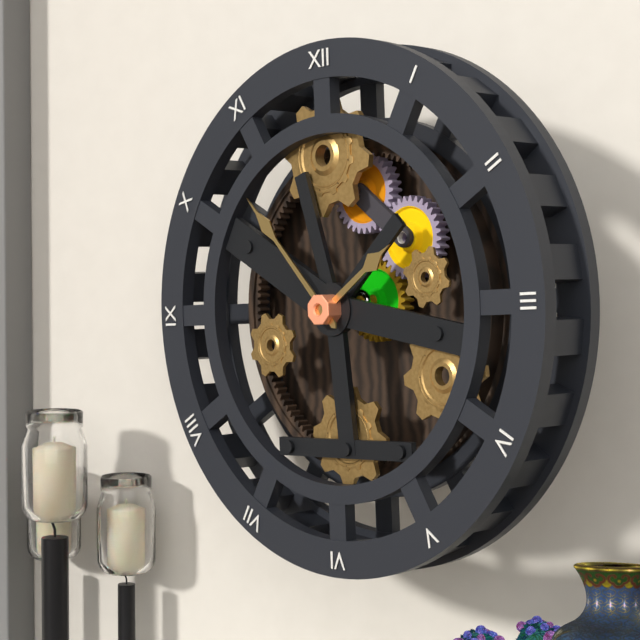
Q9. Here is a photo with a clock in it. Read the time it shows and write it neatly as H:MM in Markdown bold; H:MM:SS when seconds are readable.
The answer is **1:53**
